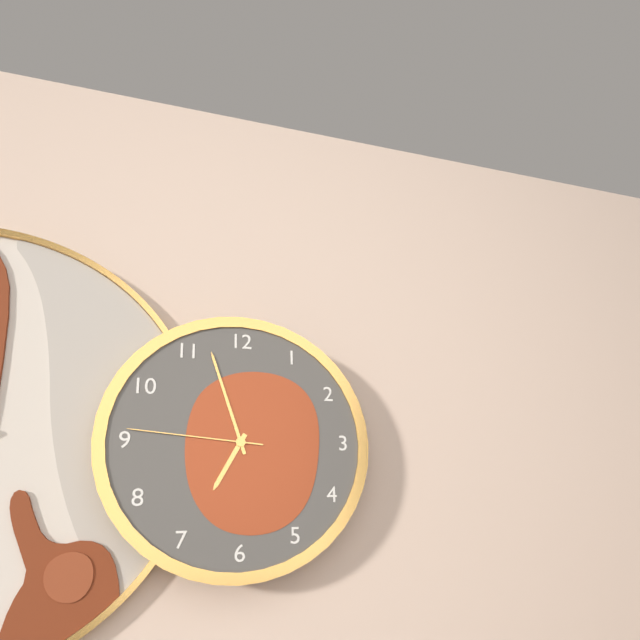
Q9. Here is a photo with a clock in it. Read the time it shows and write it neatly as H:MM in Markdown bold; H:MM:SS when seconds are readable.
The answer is **6:57:46**
